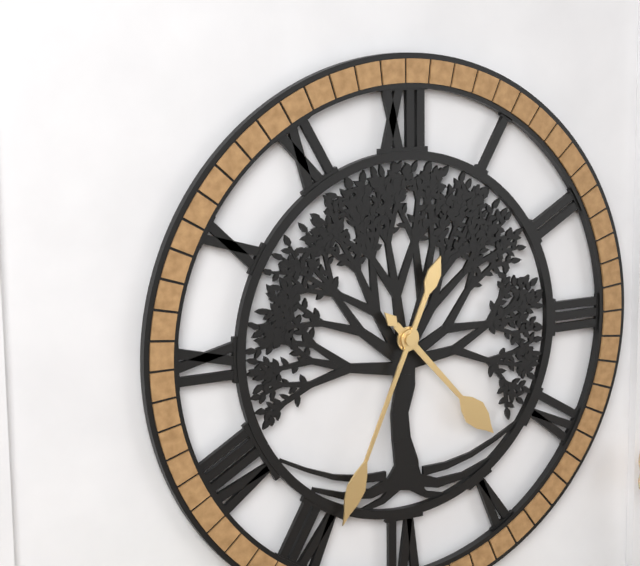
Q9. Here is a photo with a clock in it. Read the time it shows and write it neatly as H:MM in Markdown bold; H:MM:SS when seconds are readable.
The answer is **4:34**
